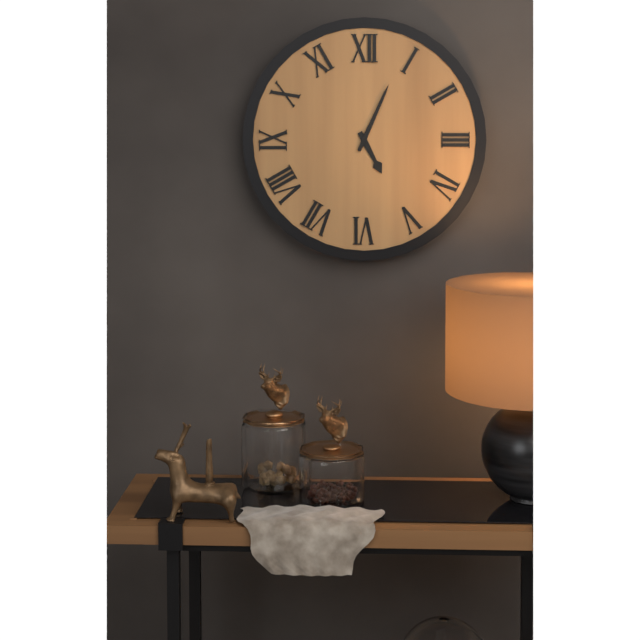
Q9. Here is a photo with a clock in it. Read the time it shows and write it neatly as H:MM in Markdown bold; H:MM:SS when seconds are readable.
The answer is **5:04**
